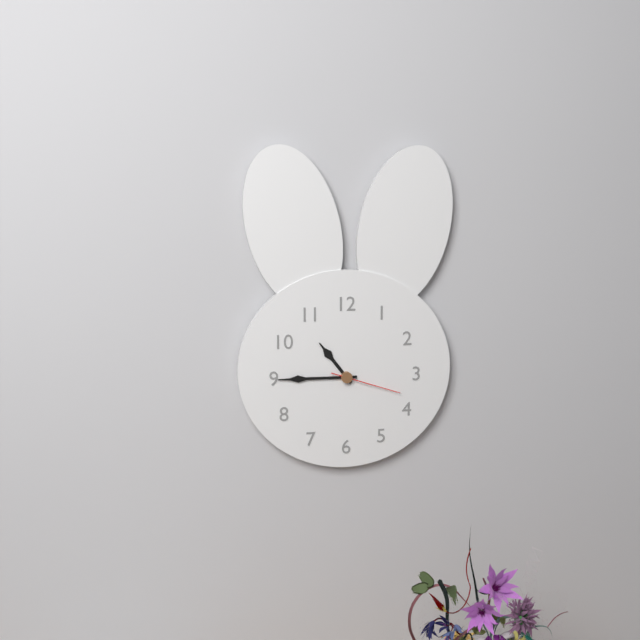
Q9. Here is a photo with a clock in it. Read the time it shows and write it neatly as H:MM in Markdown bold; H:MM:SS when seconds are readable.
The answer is **10:45:18**
